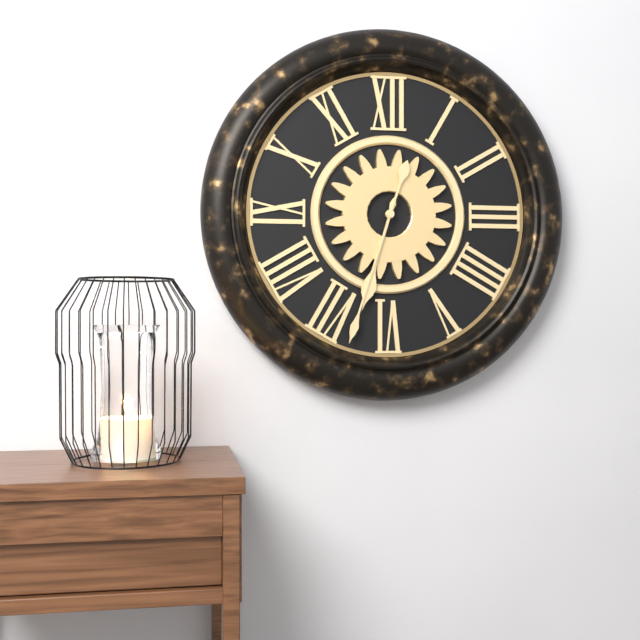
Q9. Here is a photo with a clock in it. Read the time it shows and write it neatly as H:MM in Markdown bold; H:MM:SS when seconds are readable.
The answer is **6:33**
